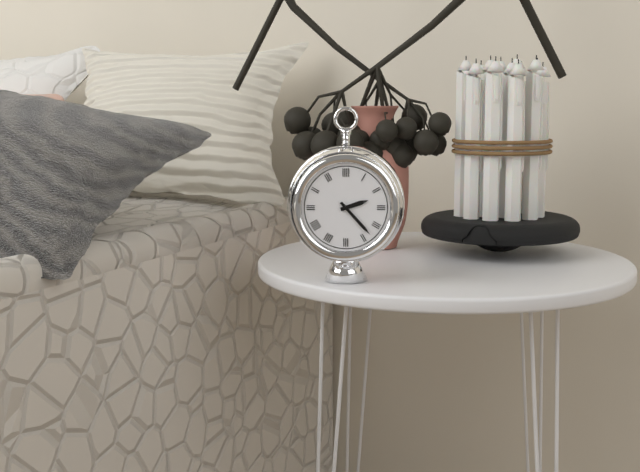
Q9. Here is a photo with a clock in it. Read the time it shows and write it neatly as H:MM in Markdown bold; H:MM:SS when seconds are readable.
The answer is **2:23**
